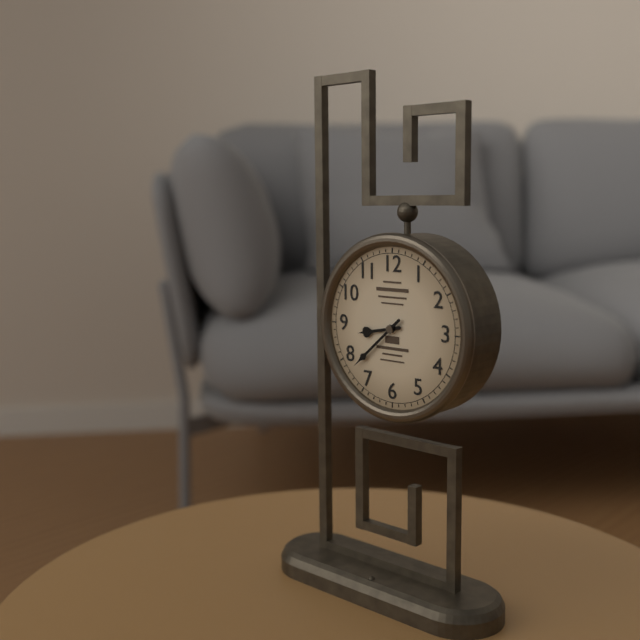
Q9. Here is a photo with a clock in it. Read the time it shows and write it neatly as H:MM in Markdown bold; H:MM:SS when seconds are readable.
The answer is **8:38**
